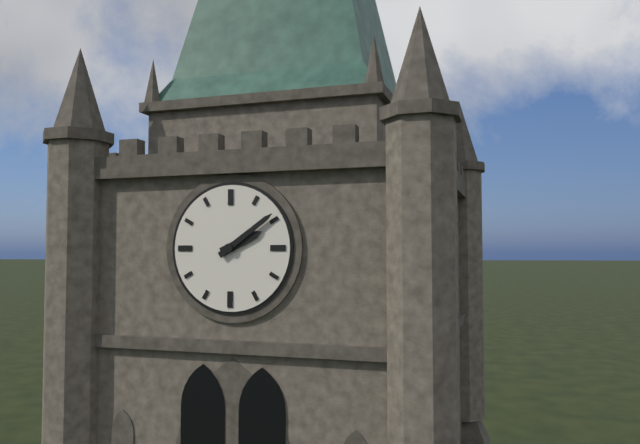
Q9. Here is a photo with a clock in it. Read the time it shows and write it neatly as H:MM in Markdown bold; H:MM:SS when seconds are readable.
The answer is **2:09**
